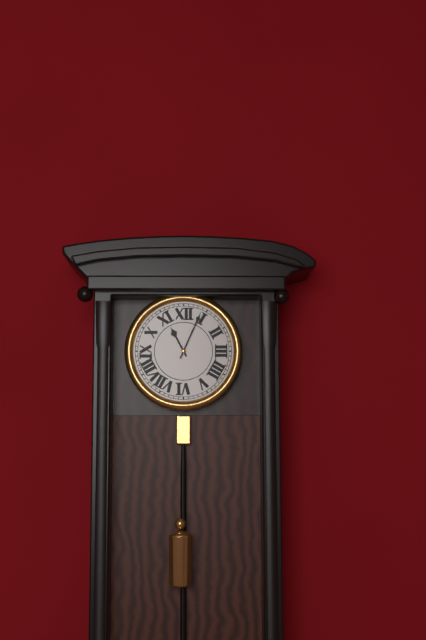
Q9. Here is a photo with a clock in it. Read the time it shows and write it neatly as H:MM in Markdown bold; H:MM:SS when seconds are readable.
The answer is **11:04**
